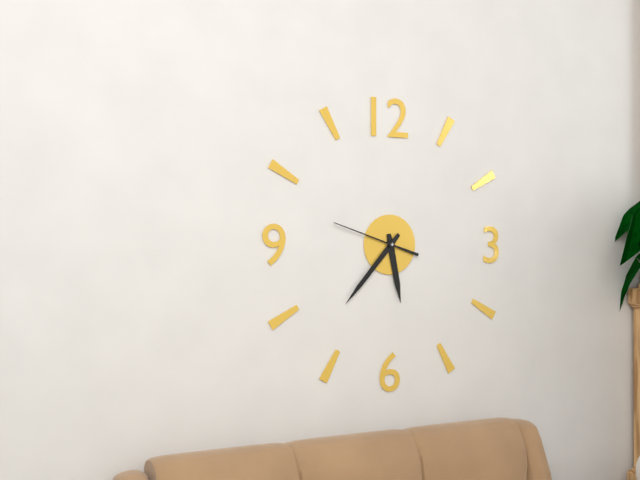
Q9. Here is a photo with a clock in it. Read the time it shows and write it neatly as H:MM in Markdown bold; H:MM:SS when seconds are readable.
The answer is **5:37:48**
